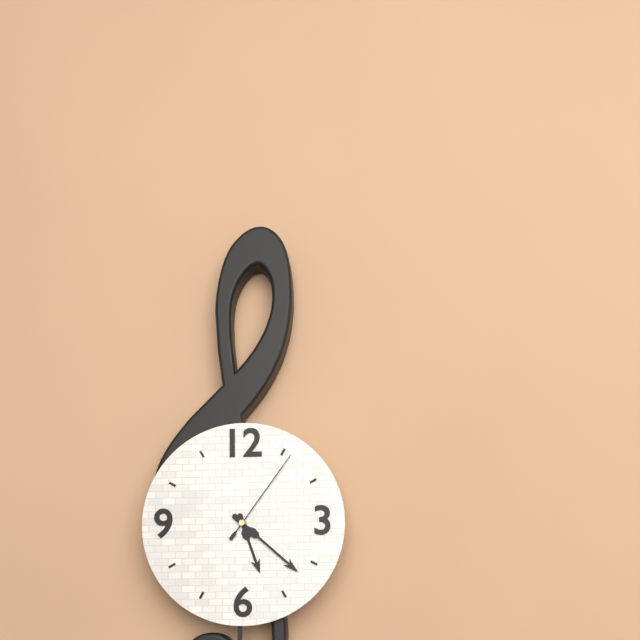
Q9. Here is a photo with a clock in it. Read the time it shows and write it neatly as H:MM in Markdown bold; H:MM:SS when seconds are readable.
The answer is **5:22:06**
